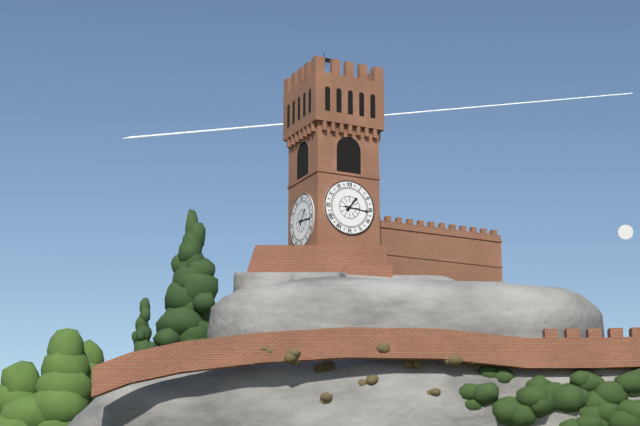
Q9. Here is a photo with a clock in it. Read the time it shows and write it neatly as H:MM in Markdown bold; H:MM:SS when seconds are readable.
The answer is **1:16**
